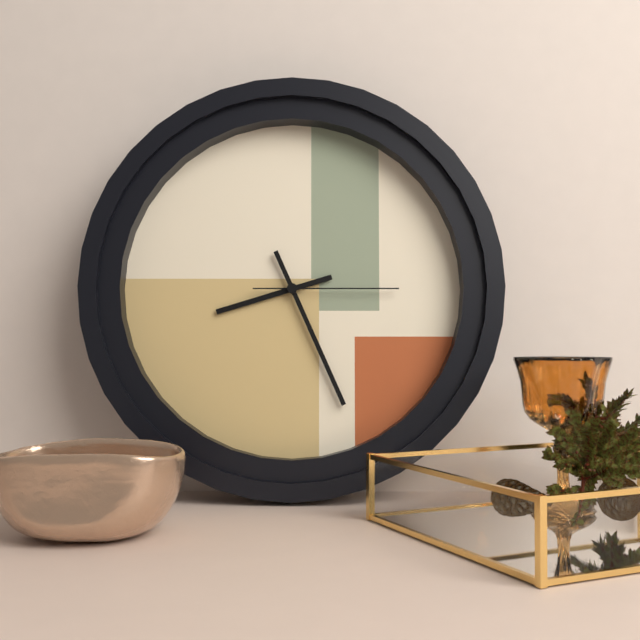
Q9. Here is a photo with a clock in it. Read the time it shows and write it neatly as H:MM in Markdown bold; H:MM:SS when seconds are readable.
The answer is **8:26:15**
